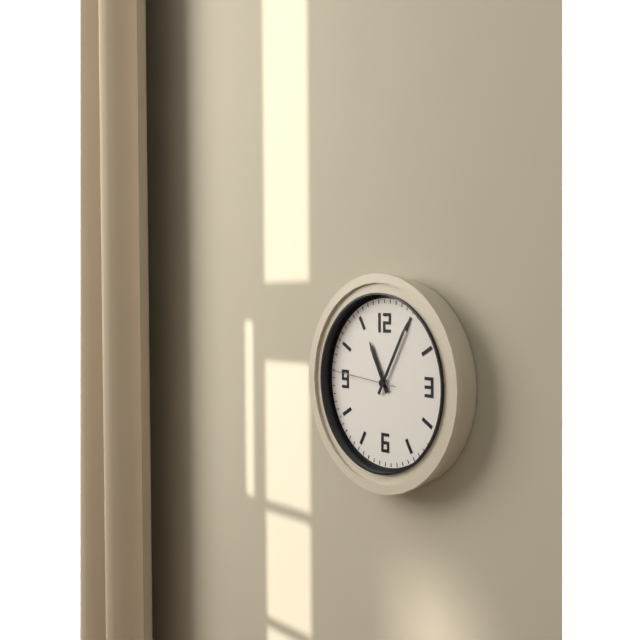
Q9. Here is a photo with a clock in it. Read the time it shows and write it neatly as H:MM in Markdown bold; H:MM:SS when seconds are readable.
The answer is **11:05:46**
